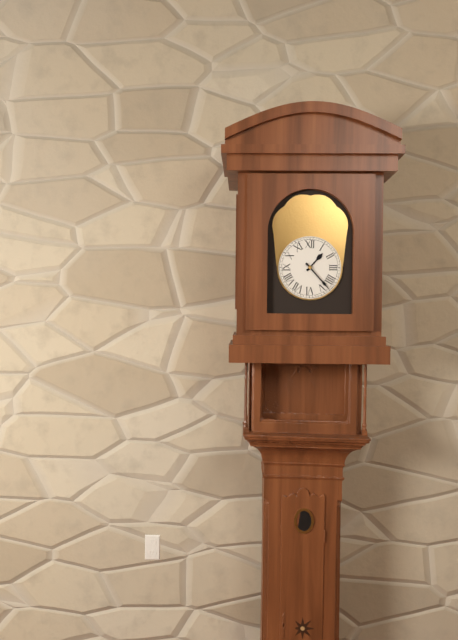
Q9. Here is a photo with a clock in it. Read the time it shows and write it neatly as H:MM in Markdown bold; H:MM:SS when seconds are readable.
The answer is **1:23**
